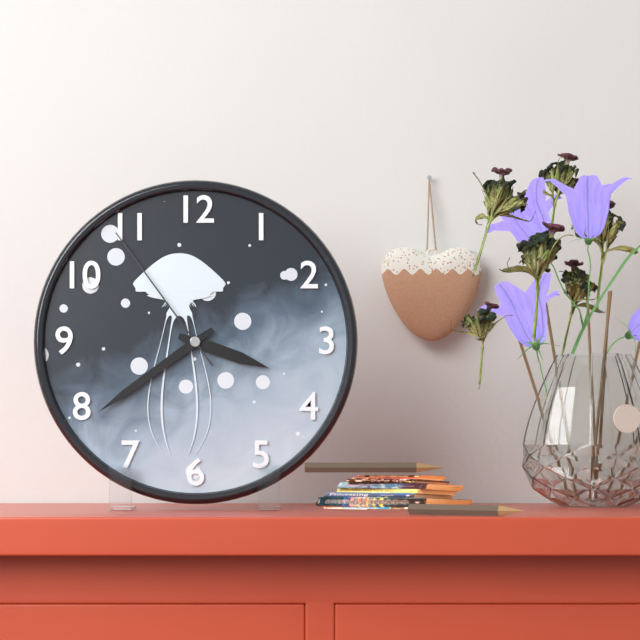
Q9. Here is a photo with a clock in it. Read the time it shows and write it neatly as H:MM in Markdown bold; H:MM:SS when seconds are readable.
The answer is **3:39:54**
